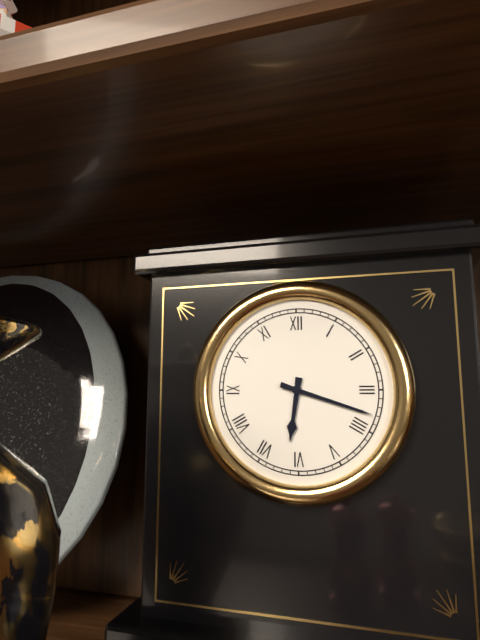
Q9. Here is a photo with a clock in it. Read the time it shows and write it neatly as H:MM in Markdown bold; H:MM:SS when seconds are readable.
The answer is **6:18**
